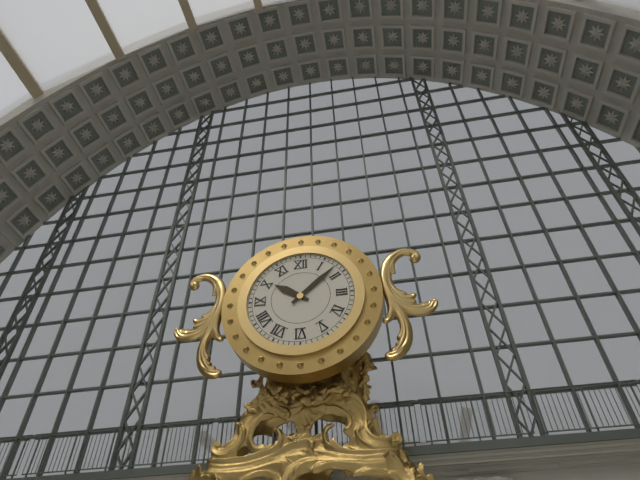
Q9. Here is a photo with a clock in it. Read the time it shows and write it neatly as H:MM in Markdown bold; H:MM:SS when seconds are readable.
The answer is **10:08**
